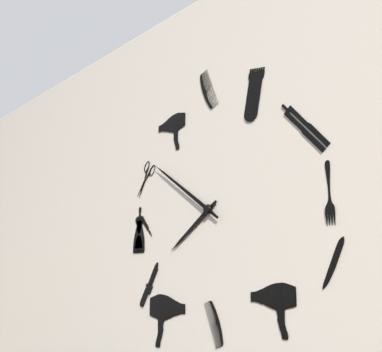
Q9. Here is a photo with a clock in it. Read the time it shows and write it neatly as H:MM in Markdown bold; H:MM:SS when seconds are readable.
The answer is **7:51**
